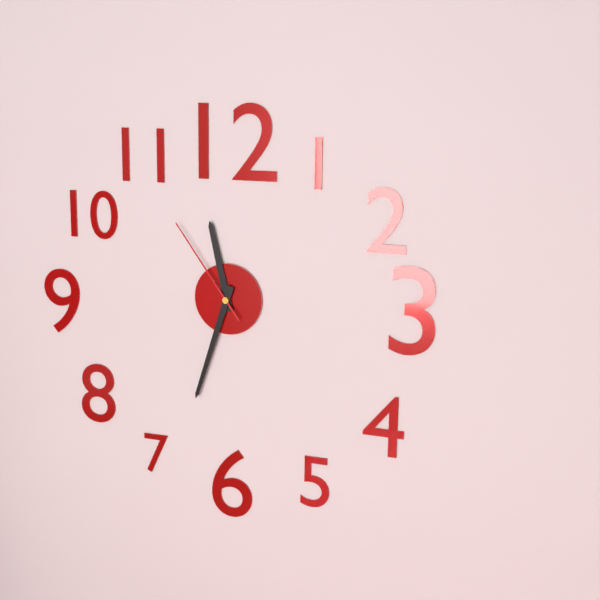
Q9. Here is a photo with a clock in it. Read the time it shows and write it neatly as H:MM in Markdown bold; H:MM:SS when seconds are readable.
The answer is **11:33:54**
